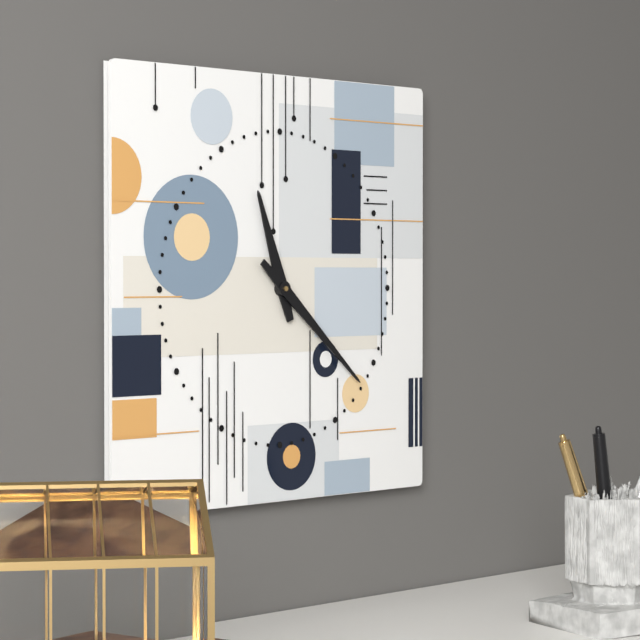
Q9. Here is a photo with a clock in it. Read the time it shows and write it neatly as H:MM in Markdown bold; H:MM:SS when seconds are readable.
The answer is **11:22**
